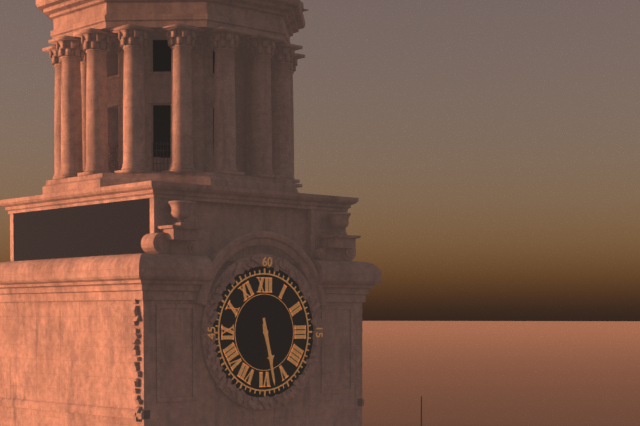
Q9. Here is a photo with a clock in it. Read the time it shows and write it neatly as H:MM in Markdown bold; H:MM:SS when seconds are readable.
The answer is **5:28**
